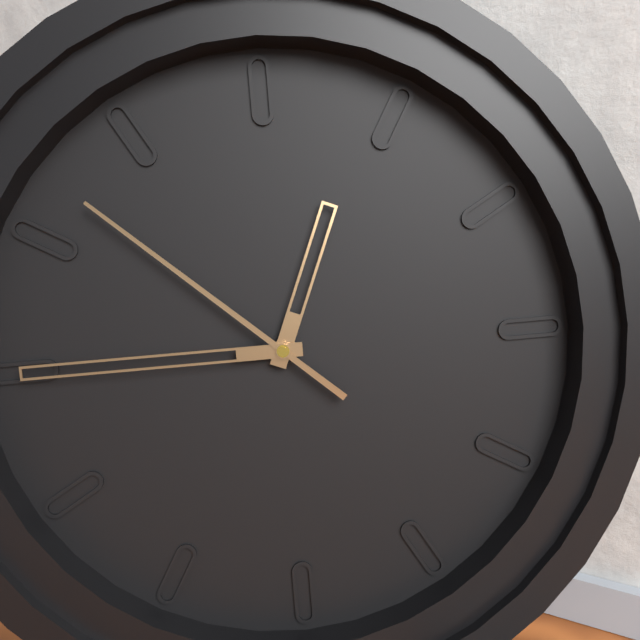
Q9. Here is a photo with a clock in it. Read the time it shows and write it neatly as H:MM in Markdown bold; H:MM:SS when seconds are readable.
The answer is **12:45:52**
